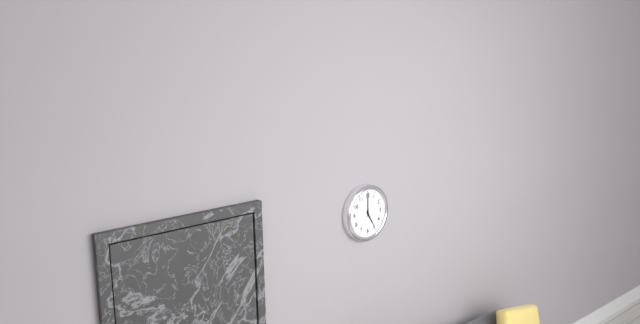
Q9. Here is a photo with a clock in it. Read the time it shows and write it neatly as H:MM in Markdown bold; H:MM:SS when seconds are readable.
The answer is **5:00**
